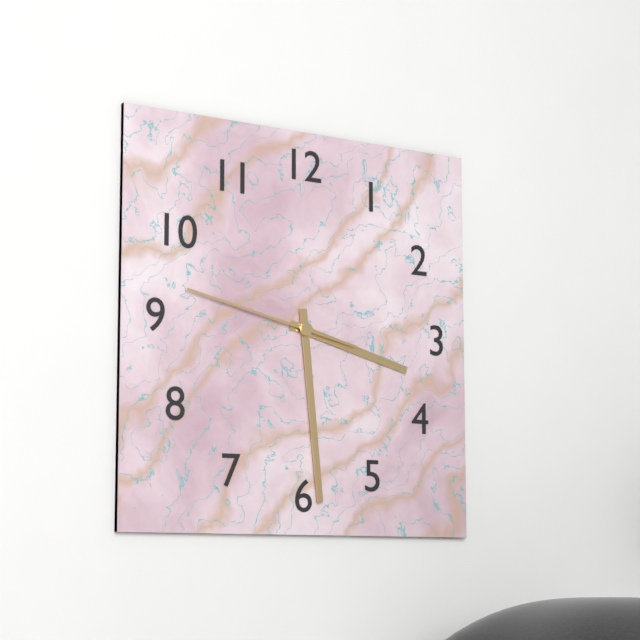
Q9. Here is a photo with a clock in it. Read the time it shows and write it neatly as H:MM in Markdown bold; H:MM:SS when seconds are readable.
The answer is **3:29:47**
